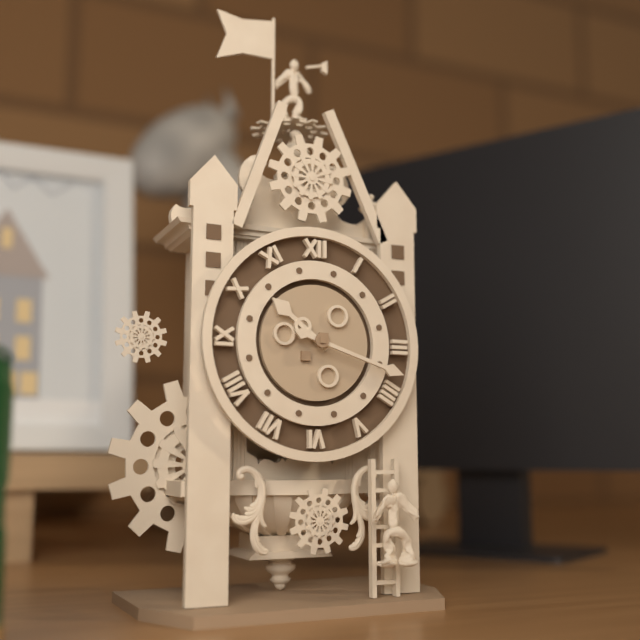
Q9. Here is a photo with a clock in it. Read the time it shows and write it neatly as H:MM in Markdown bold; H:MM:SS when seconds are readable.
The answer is **10:18**
